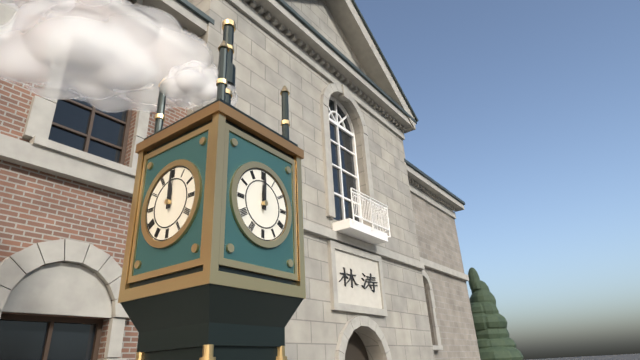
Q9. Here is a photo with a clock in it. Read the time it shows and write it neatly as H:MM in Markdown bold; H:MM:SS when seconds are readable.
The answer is **12:00**
